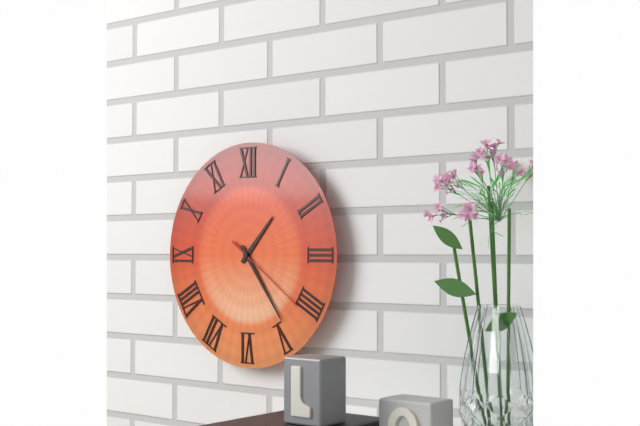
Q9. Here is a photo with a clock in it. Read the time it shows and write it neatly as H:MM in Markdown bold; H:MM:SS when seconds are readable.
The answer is **1:24:21**
